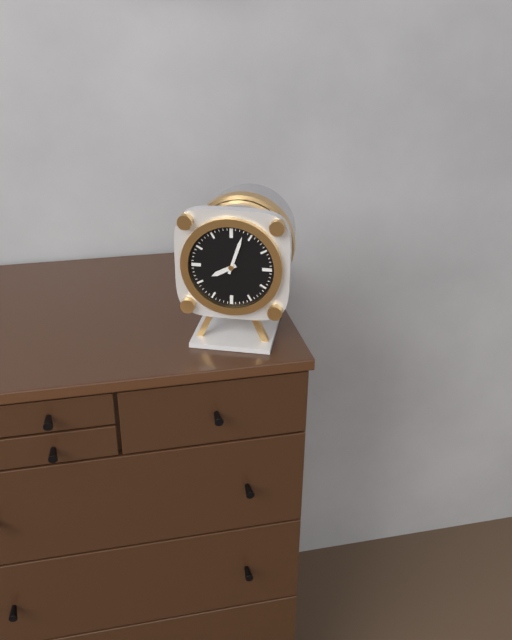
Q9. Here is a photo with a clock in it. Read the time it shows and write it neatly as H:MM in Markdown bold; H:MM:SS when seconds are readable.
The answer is **8:03**
